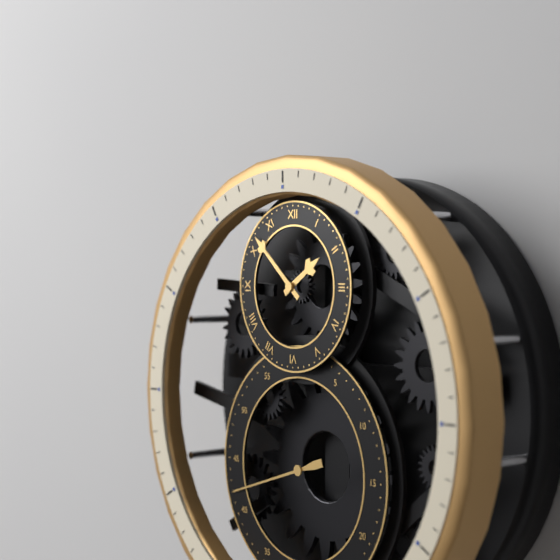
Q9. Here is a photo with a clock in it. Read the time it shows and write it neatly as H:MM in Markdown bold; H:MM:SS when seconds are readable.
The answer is **1:52:42**
